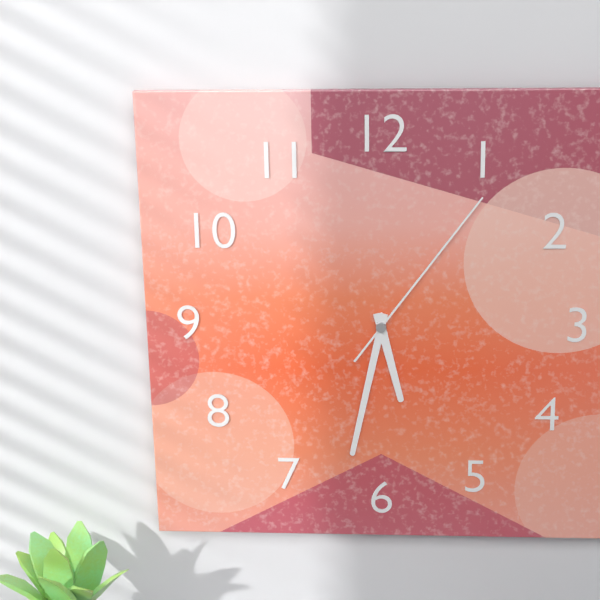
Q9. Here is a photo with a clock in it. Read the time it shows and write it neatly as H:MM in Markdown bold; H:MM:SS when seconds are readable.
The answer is **5:32:06**
